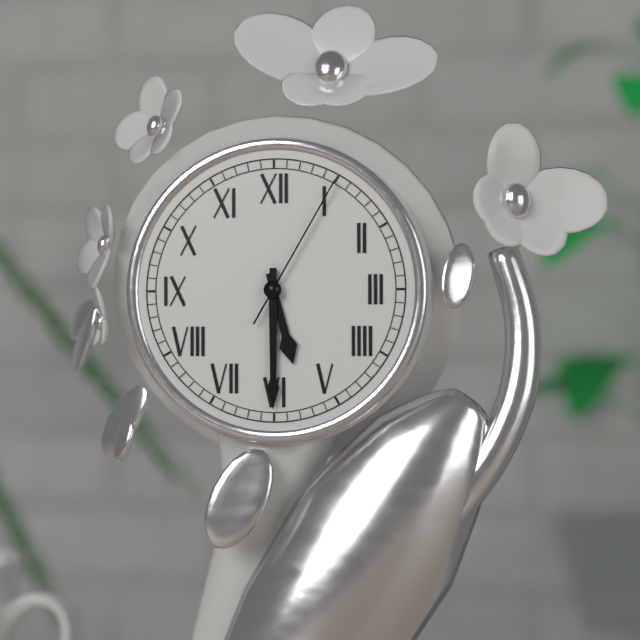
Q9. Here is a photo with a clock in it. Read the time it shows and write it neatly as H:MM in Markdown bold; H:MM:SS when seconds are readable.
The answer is **5:30:05**
